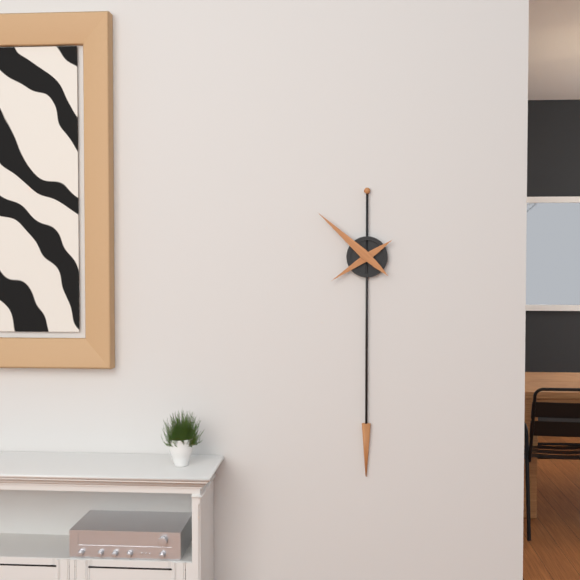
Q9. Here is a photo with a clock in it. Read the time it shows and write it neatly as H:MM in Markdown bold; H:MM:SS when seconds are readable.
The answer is **7:52**
